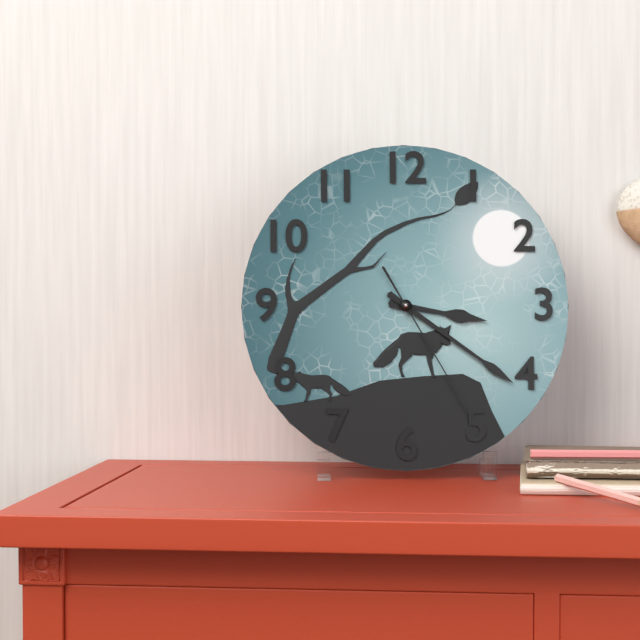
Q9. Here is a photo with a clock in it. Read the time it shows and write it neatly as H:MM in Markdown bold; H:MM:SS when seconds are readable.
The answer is **3:21:25**
